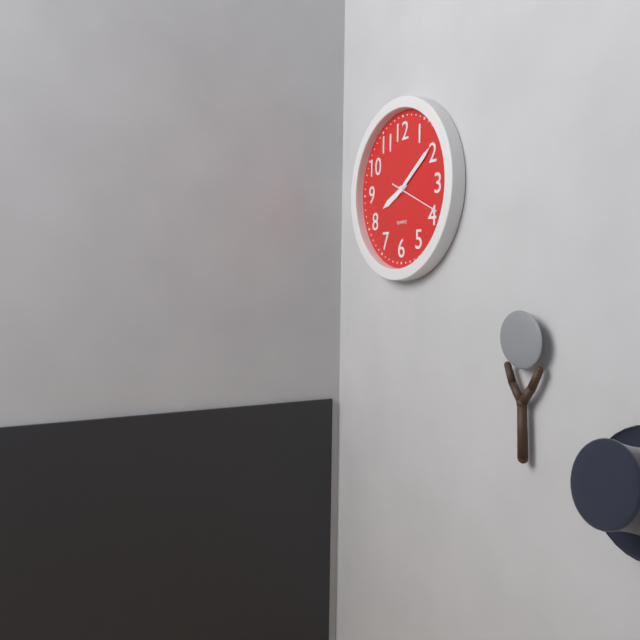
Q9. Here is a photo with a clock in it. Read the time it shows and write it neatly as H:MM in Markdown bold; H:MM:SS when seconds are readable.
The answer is **8:09:19**
